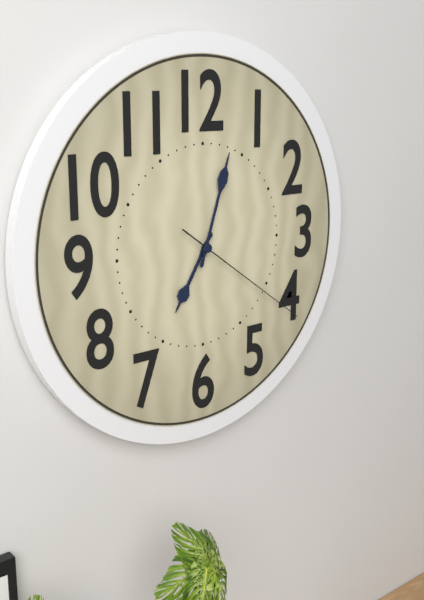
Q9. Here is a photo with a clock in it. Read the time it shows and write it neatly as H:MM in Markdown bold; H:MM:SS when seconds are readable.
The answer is **7:03:21**
